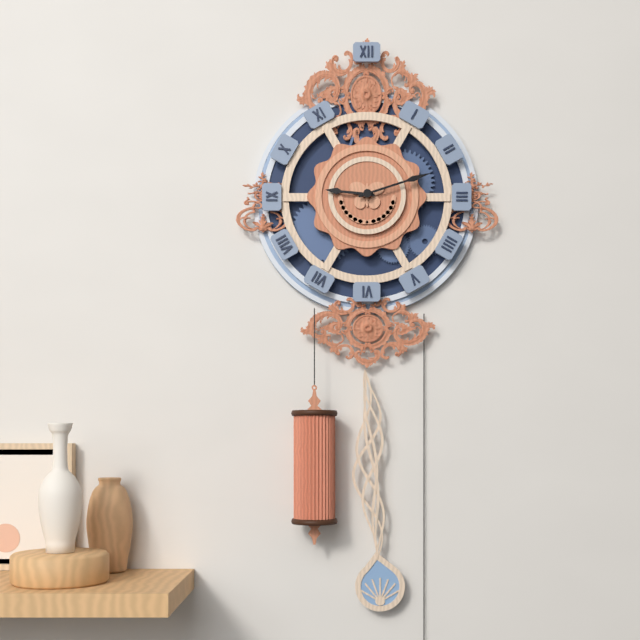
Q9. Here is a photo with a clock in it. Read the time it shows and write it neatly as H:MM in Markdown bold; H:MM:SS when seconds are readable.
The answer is **9:12**
